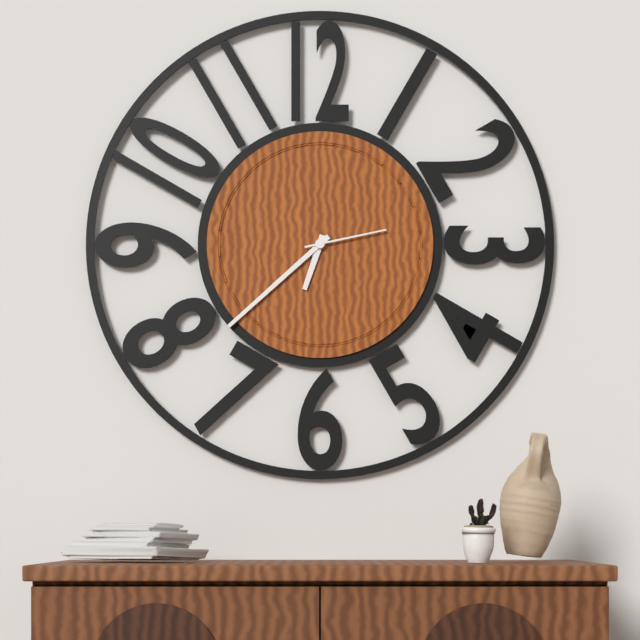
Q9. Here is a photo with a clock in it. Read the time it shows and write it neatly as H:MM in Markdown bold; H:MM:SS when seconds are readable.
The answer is **6:38:13**
